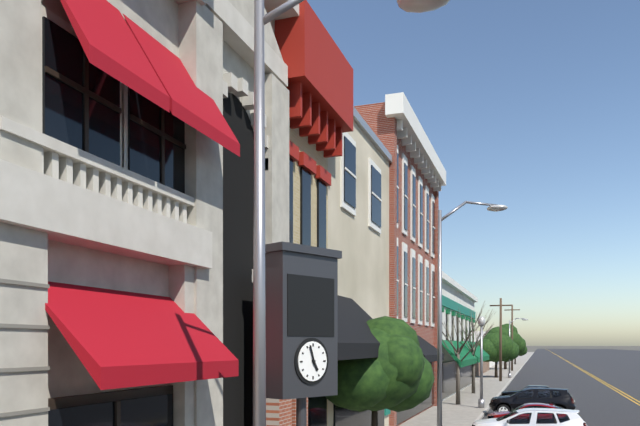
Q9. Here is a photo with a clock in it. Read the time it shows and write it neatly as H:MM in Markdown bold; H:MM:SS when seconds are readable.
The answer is **4:57**
